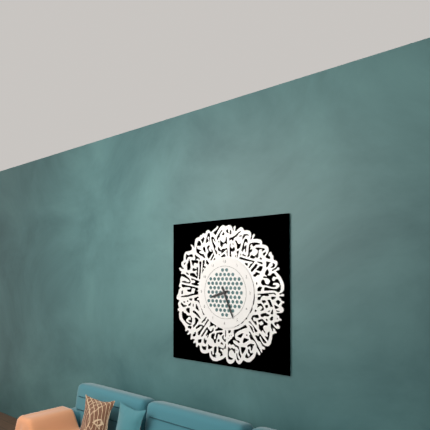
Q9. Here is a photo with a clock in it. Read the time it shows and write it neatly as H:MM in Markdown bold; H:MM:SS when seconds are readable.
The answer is **8:26**
